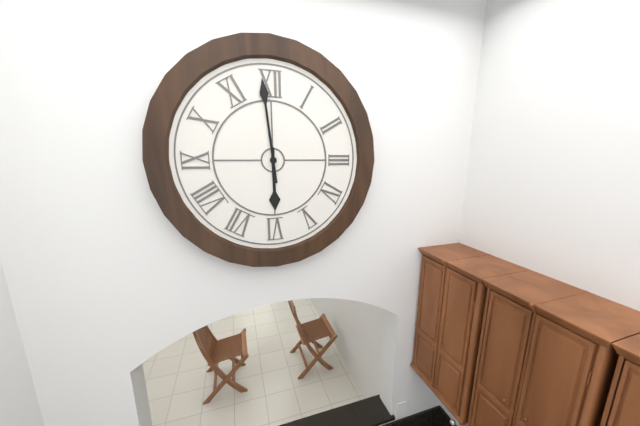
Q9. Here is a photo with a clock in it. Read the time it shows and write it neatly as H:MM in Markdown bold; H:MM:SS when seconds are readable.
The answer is **5:59**
